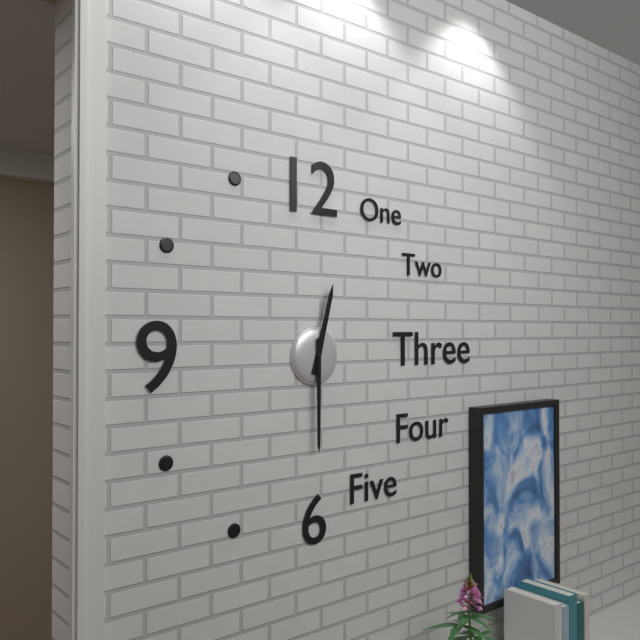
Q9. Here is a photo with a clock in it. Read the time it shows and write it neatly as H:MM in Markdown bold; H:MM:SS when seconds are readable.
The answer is **12:30**
